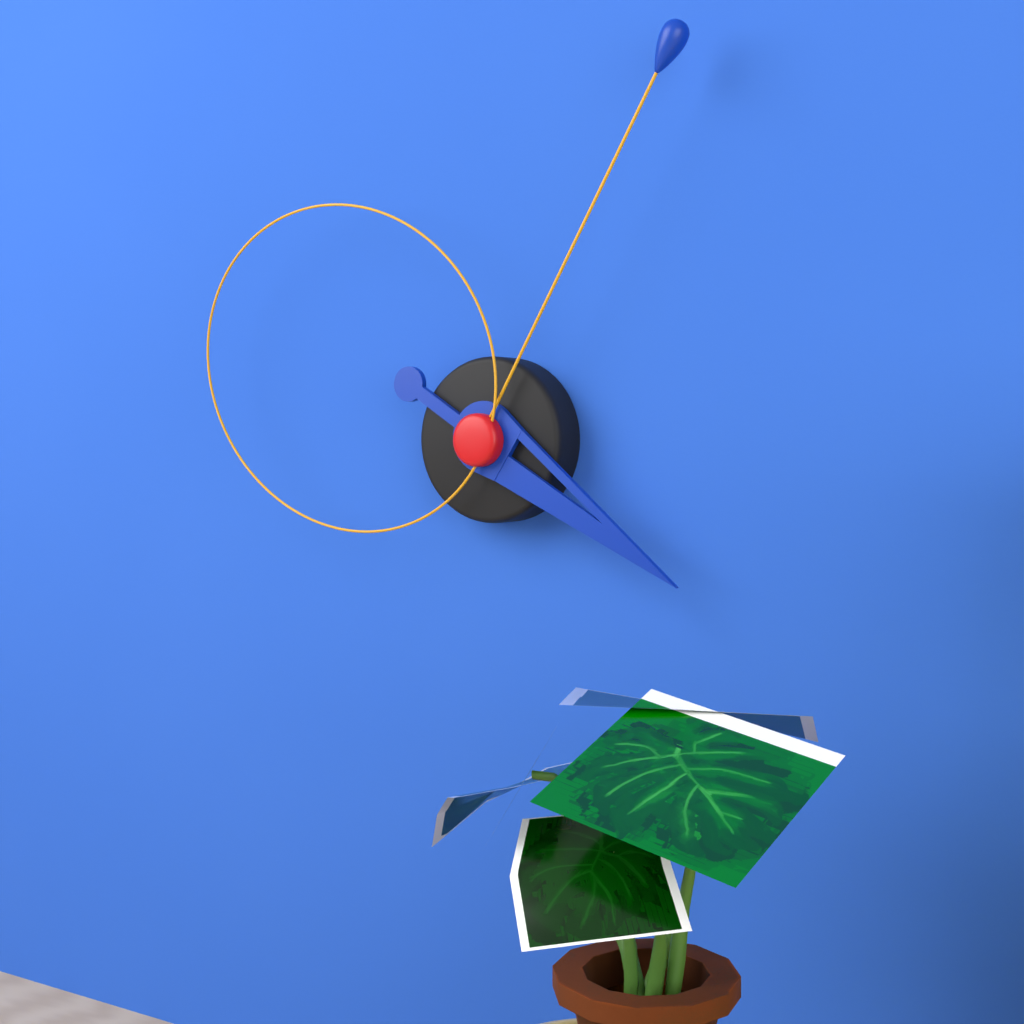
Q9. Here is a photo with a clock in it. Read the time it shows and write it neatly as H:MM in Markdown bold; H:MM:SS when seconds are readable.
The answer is **4:05:49**
